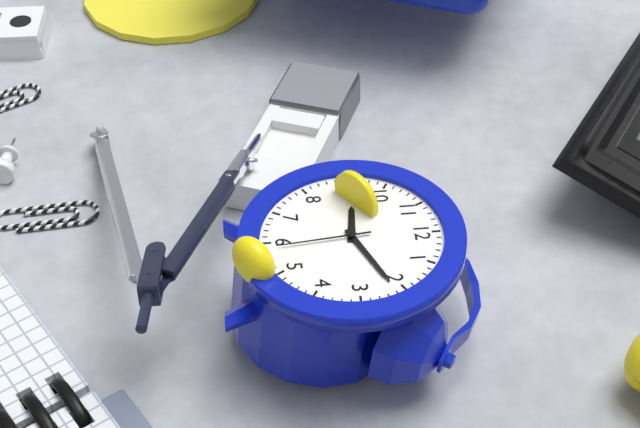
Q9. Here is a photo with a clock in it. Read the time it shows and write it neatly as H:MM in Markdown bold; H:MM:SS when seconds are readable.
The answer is **9:11:29**
